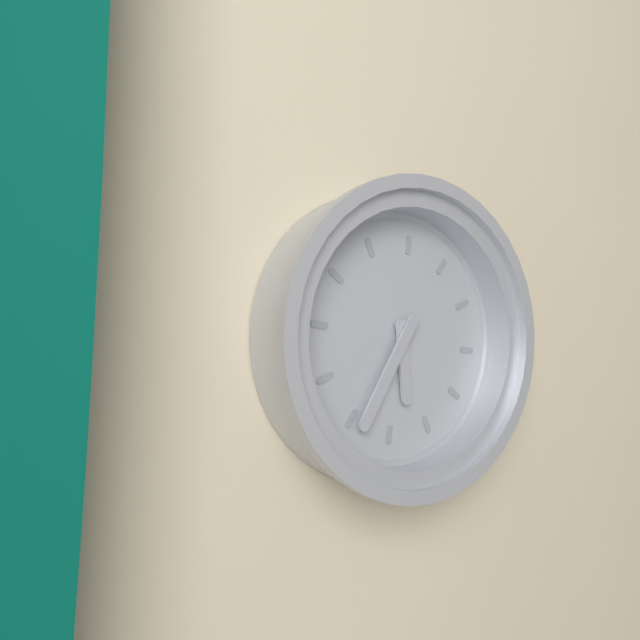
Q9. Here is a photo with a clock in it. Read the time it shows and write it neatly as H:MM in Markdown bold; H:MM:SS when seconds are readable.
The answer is **5:34**
